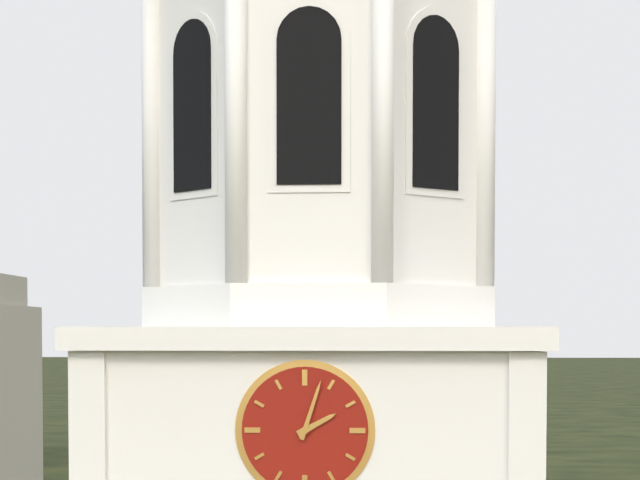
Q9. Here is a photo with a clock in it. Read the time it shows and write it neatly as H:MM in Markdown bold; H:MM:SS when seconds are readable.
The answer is **2:03**
